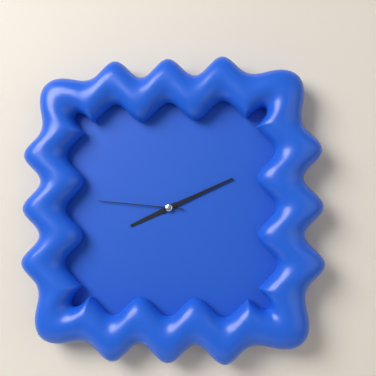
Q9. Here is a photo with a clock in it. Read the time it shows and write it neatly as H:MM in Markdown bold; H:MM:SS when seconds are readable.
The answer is **8:11:46**
